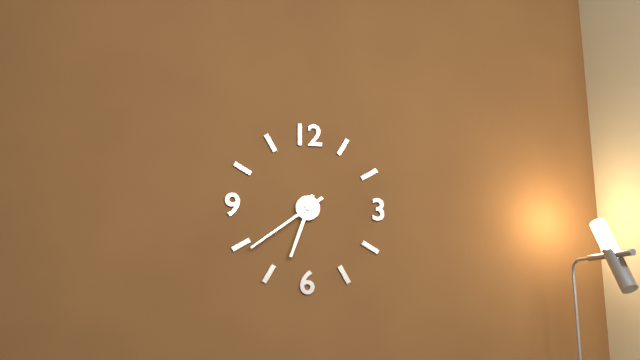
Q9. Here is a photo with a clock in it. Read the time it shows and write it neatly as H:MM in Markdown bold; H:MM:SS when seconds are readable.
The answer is **6:39**
